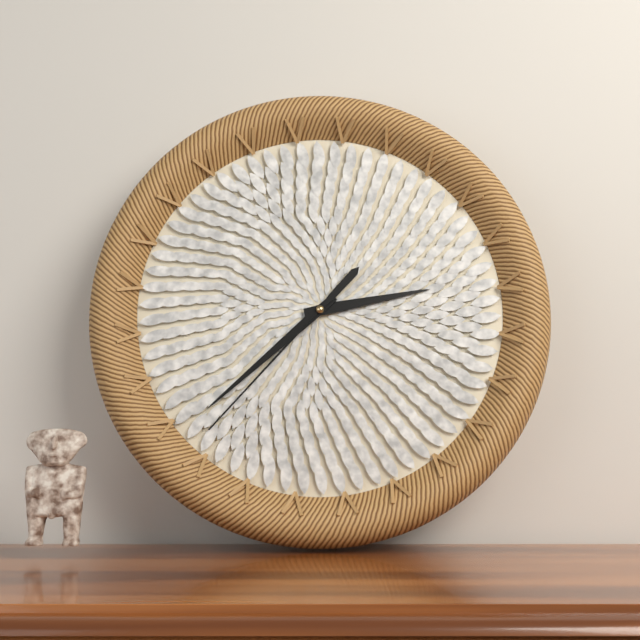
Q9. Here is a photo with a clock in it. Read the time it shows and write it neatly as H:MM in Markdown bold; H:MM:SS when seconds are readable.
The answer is **2:38:37**
